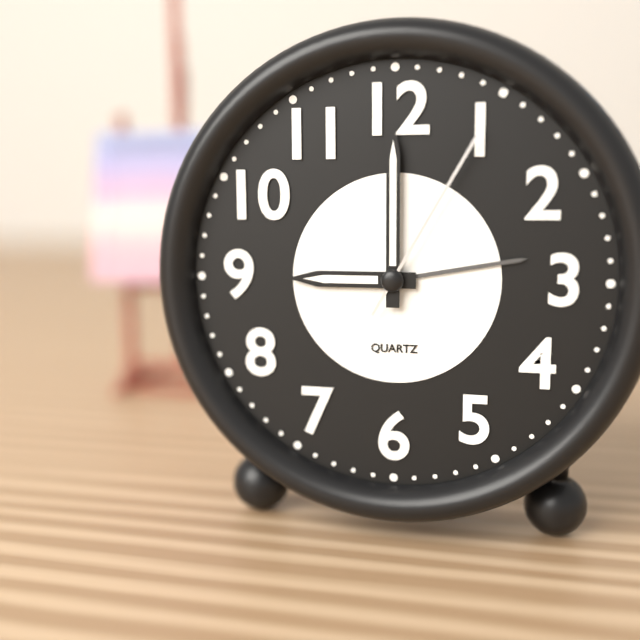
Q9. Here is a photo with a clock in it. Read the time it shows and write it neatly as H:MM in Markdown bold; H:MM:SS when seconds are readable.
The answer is **9:00:05**
